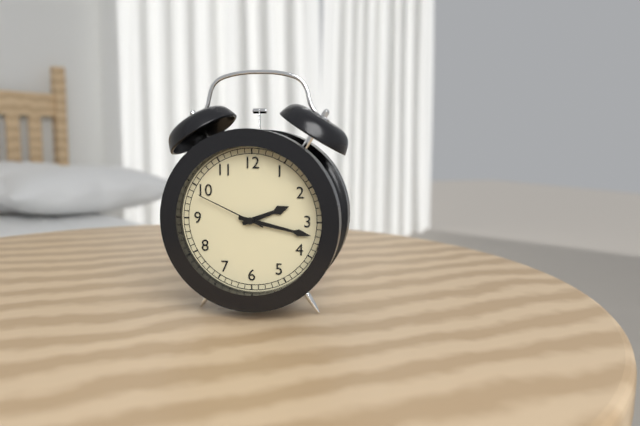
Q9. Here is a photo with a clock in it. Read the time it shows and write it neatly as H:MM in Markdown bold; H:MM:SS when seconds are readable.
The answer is **2:17:49**
